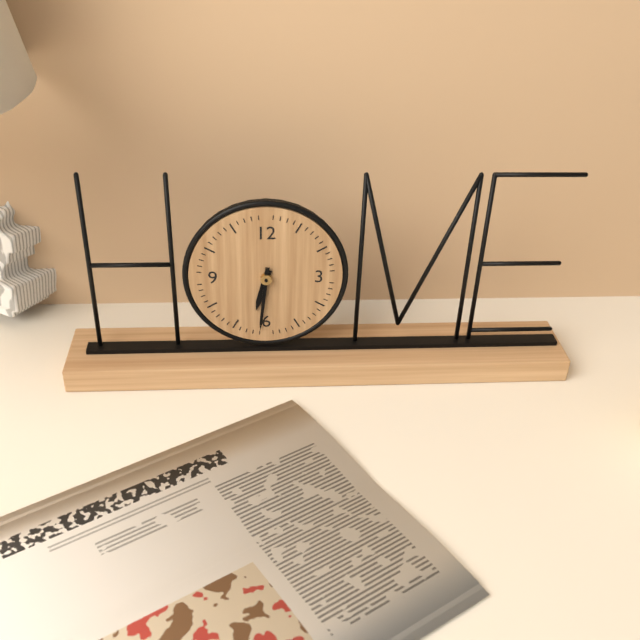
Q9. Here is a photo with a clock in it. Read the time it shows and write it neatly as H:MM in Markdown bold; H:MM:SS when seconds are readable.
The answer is **6:31**
